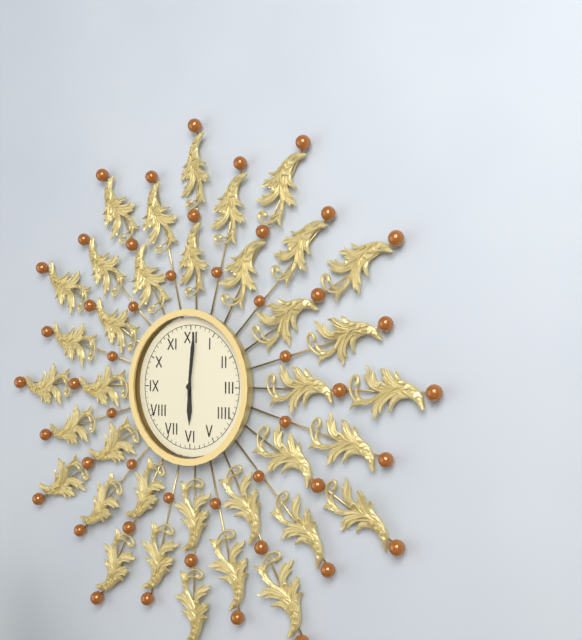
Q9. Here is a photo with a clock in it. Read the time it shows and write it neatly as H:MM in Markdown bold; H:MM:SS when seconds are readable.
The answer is **6:01**
